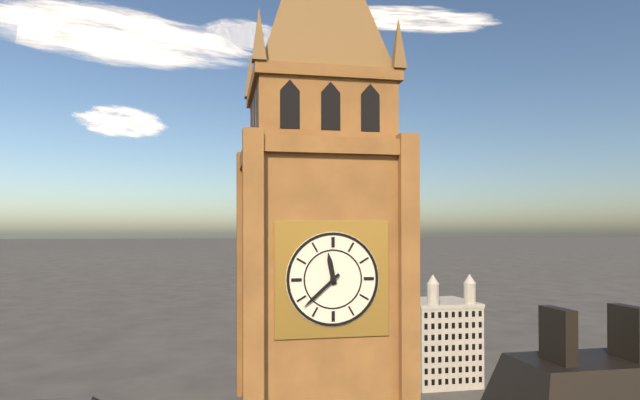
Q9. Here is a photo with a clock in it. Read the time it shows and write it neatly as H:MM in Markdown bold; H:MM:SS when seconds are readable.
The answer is **11:38**
